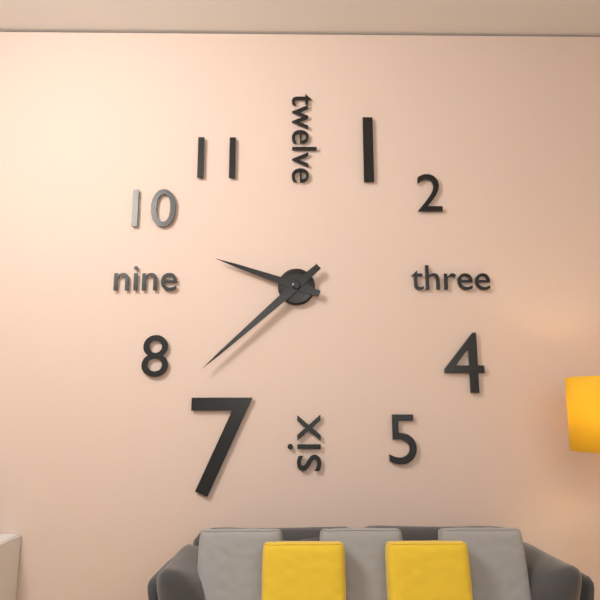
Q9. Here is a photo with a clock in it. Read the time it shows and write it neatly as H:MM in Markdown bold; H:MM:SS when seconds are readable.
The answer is **9:38**
